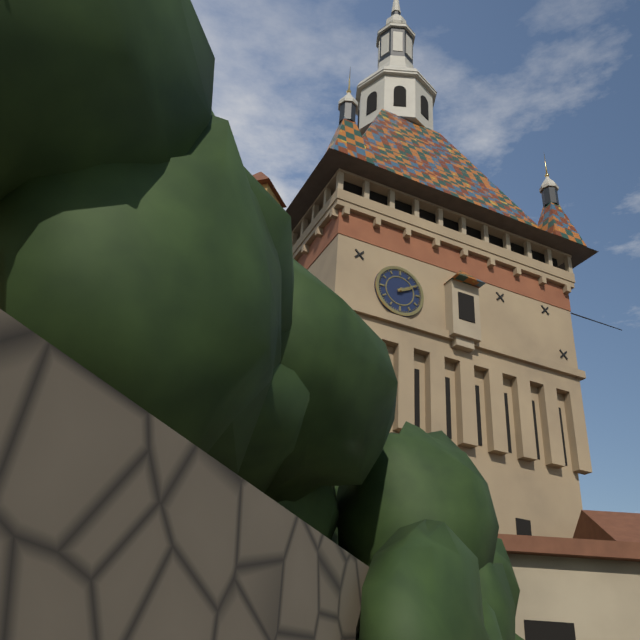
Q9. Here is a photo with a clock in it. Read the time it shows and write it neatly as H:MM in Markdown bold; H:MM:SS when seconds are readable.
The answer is **2:10**
